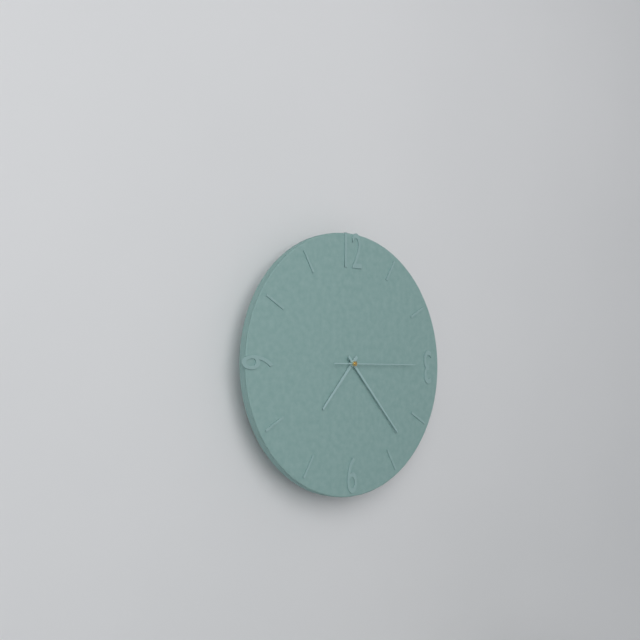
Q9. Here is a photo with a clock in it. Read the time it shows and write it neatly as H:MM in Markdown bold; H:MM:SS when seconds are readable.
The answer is **7:23:15**
